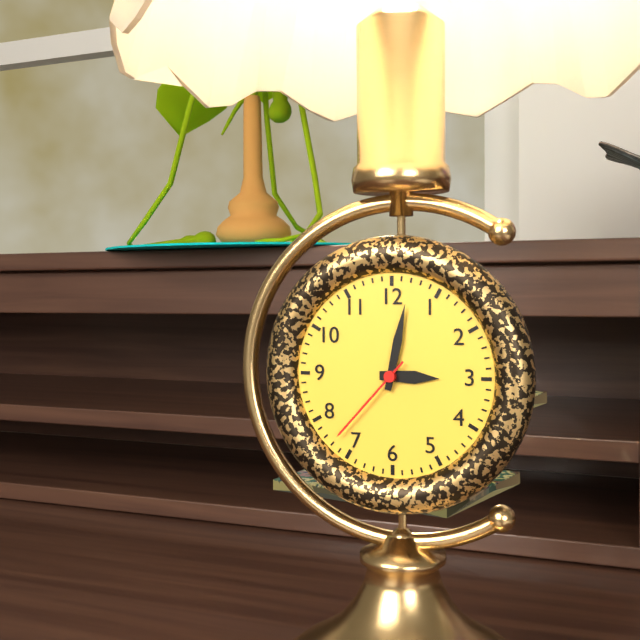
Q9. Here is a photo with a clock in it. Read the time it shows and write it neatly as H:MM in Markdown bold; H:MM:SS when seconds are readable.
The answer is **3:02:37**
